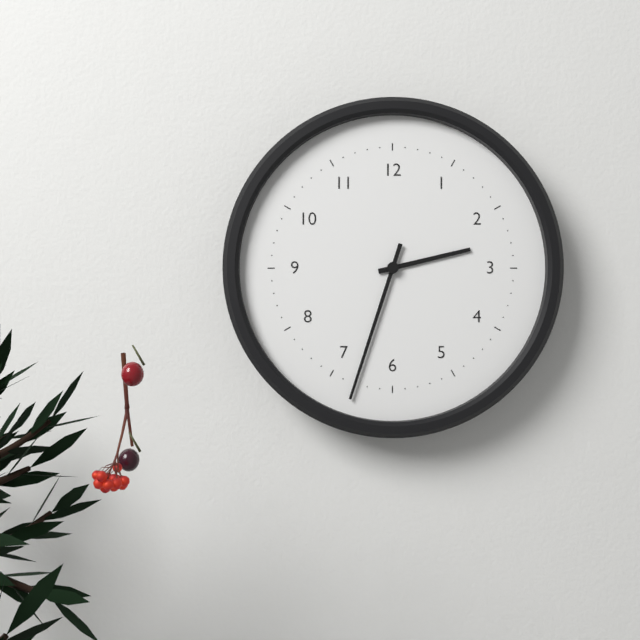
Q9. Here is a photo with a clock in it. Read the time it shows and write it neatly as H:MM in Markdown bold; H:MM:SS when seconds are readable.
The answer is **2:33**
